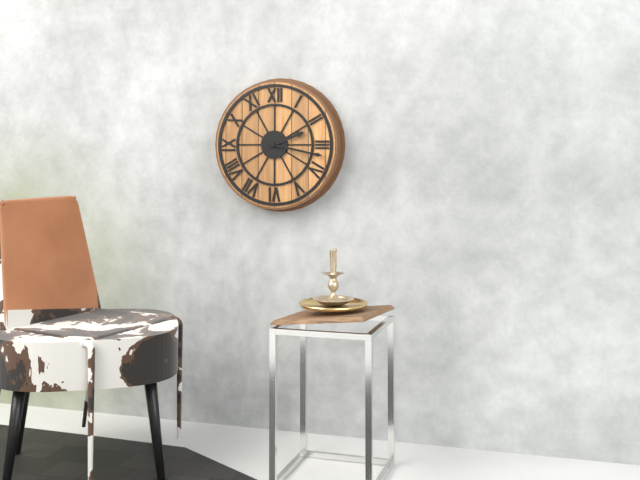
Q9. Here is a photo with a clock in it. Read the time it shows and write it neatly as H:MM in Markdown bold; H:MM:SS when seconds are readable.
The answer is **2:17**
